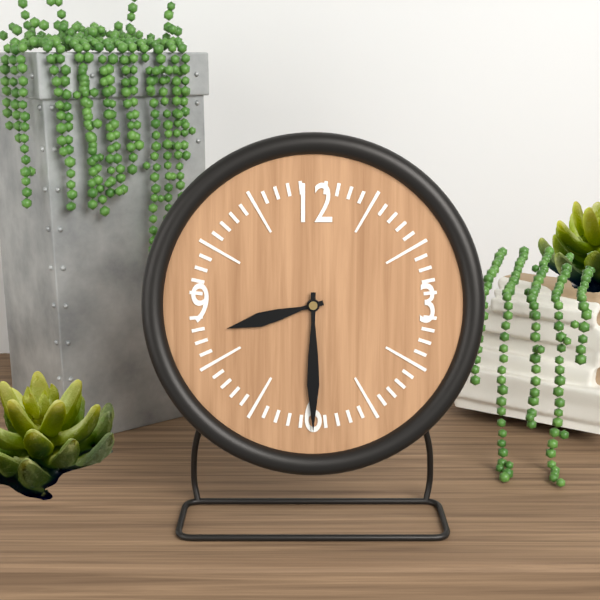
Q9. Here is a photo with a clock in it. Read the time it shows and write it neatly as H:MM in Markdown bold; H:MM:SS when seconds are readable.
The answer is **8:30**
